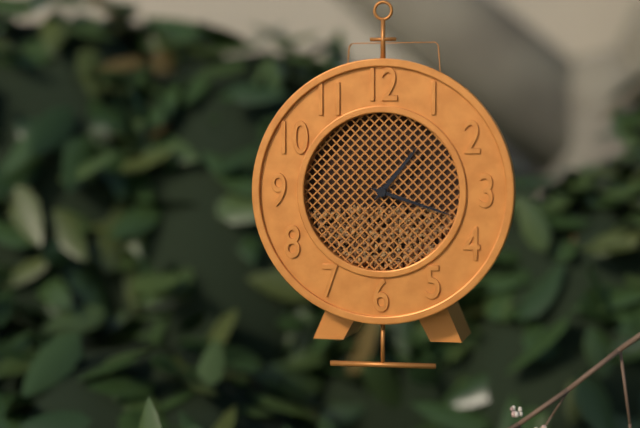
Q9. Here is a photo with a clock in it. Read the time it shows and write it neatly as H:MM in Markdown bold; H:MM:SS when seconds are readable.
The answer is **1:18**
